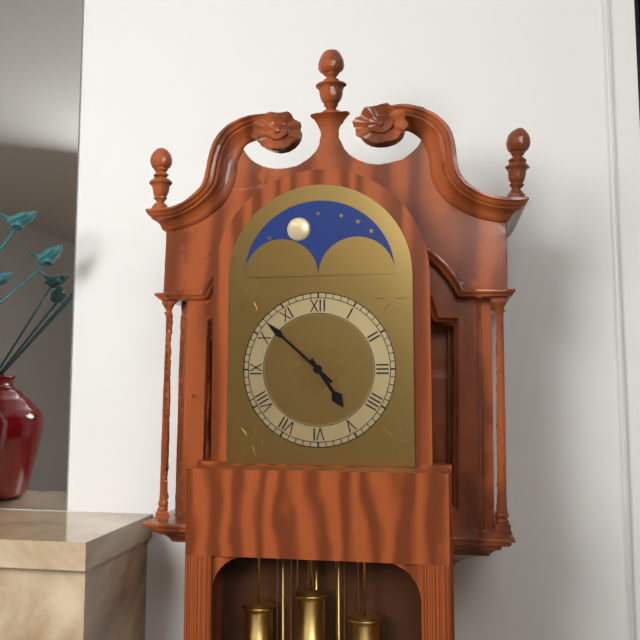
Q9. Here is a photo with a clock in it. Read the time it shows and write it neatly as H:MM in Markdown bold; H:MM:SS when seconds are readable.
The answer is **4:52**
